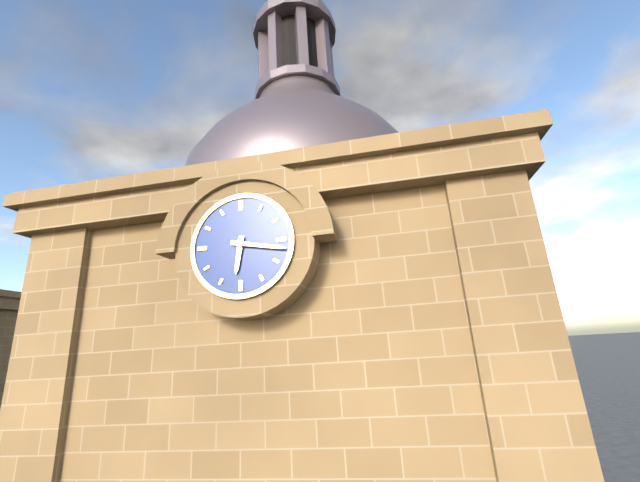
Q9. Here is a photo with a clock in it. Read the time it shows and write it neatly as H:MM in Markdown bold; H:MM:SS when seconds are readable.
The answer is **6:17**
